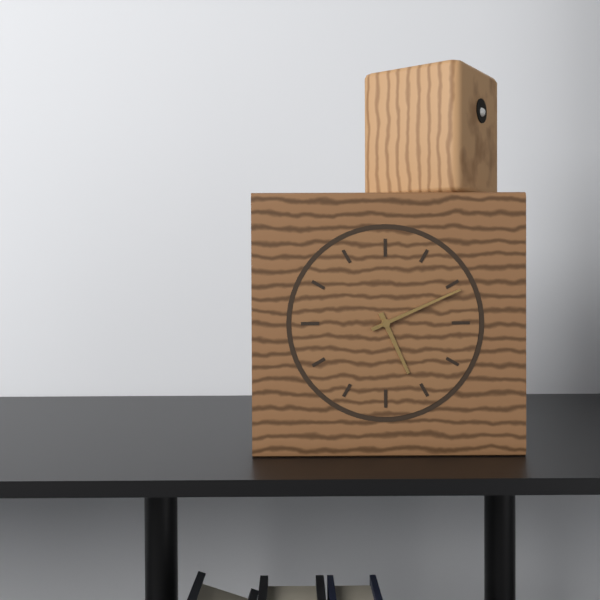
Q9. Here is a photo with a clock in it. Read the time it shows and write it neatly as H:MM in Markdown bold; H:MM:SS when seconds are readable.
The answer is **5:11**
